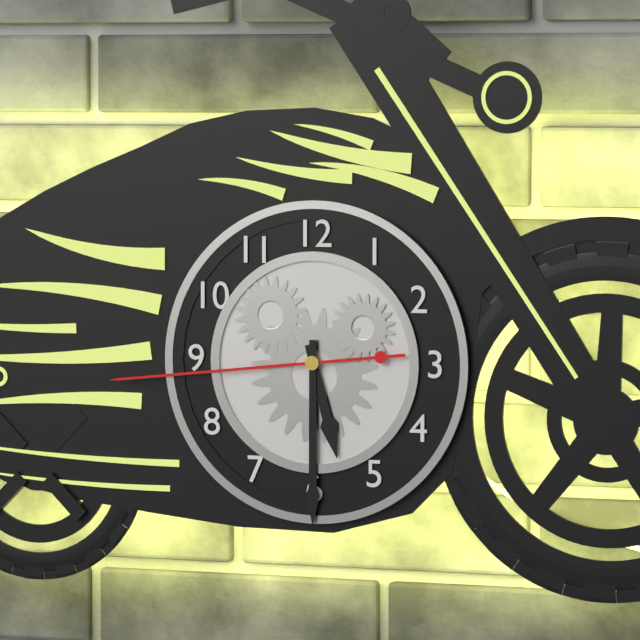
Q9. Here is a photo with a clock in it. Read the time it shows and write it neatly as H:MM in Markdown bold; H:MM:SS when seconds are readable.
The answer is **5:30:44**
